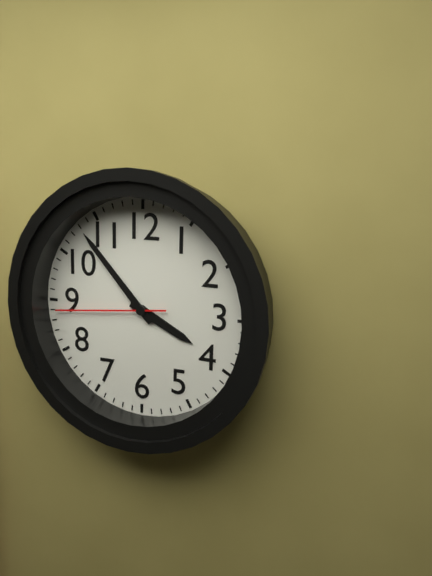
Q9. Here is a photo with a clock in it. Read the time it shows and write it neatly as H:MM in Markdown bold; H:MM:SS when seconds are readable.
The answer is **3:53:44**
